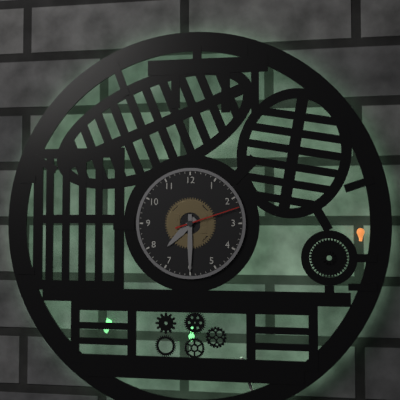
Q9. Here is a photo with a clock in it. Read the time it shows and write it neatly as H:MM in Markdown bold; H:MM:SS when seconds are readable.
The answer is **7:30:12**
